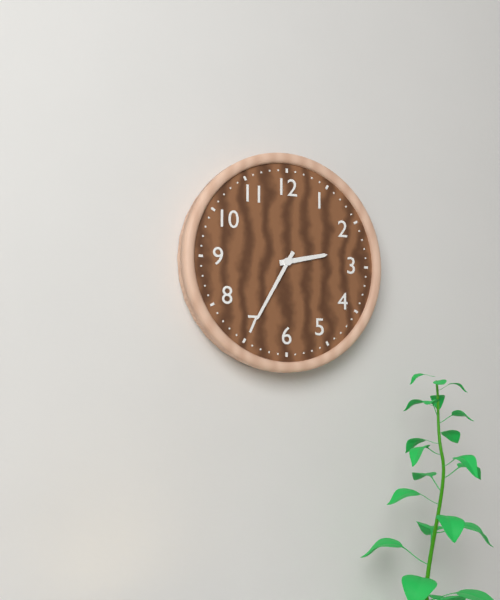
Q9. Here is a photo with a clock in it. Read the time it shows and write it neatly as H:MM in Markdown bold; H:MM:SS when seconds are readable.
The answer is **2:35**
